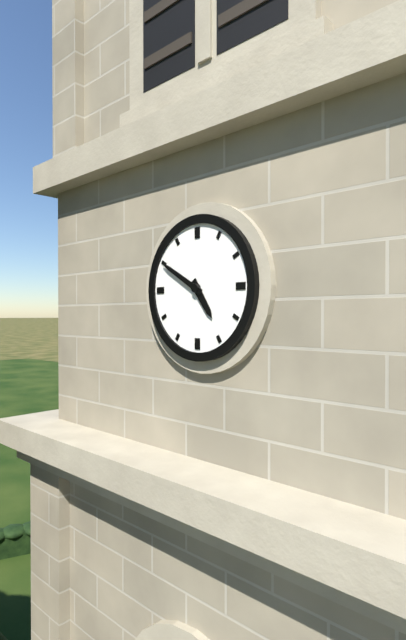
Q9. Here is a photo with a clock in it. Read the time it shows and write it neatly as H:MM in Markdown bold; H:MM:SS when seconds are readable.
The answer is **4:50**
